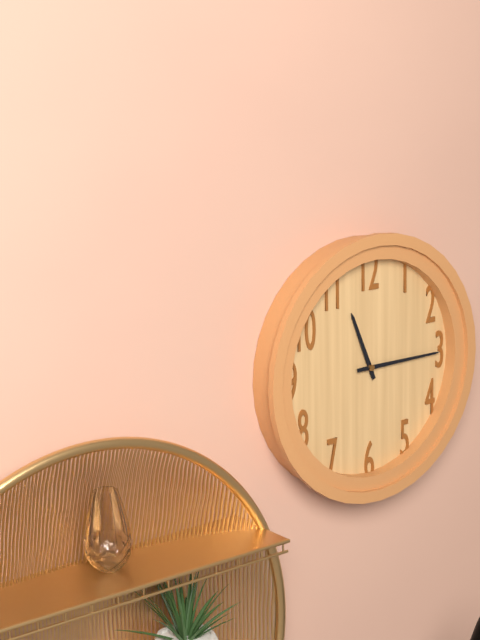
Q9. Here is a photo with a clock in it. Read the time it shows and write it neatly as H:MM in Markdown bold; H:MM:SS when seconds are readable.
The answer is **11:15**
